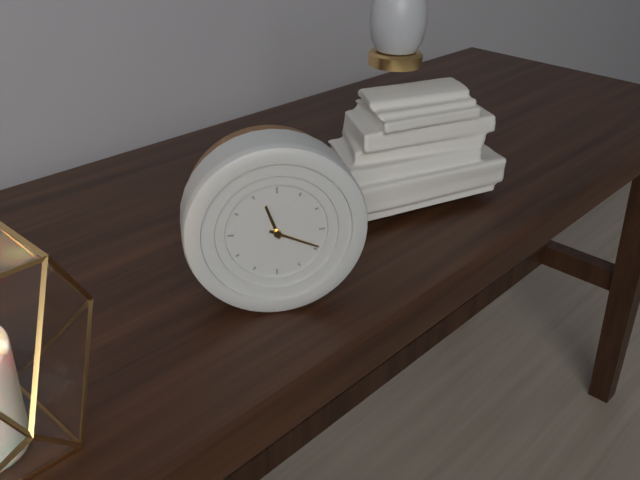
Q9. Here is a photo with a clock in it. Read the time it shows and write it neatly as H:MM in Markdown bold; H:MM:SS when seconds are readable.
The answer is **11:19**
